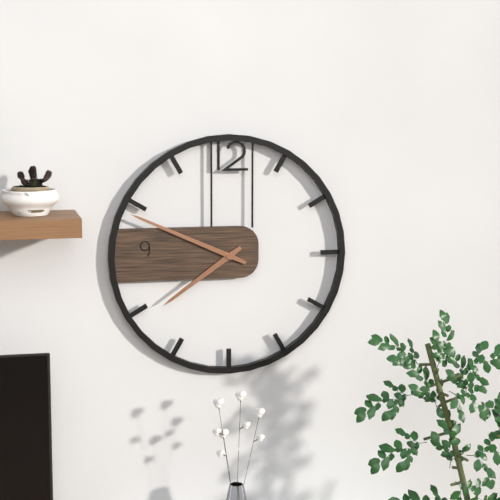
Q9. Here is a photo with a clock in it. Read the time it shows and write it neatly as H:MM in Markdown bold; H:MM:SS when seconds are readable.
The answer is **7:49**
